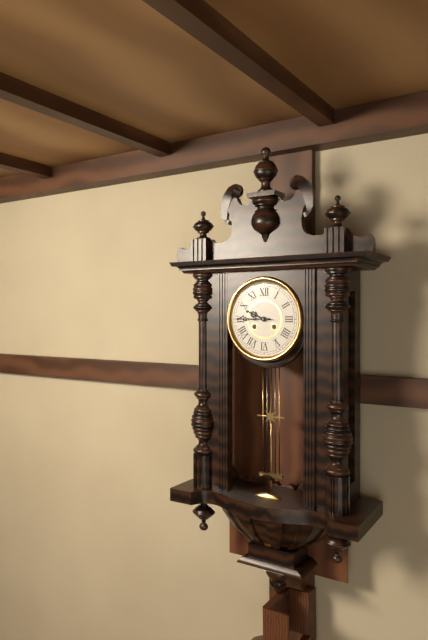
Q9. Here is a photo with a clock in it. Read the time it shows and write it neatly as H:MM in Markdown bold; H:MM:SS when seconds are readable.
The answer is **9:45**
